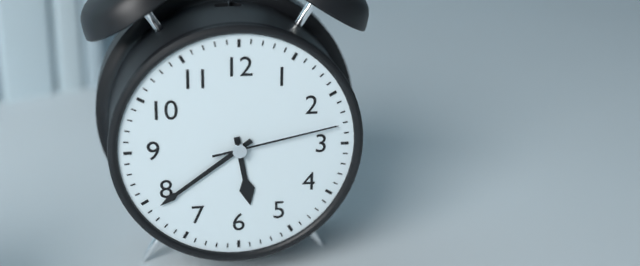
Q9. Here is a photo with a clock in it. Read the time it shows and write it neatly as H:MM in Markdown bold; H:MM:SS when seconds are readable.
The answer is **5:39:13**
